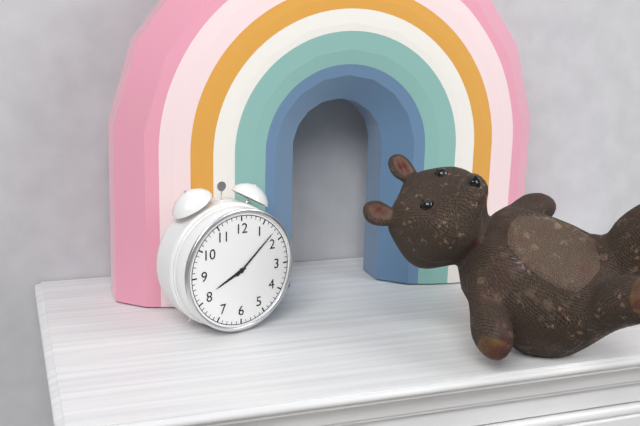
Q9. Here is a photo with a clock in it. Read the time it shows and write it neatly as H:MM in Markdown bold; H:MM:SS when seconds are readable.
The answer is **8:08**
